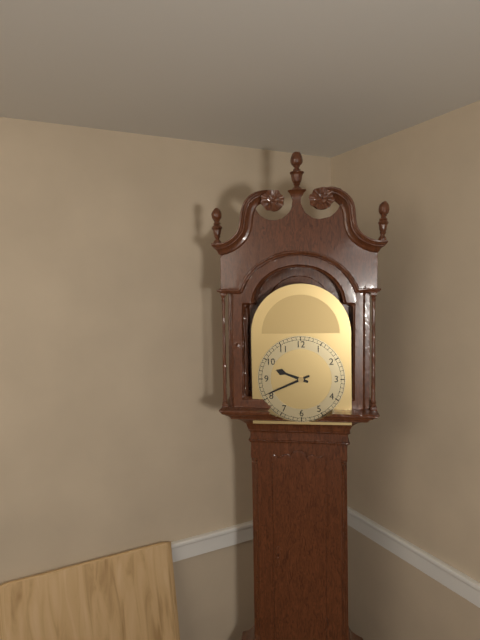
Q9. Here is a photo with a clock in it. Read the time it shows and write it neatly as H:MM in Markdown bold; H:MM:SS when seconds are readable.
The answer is **9:41**
